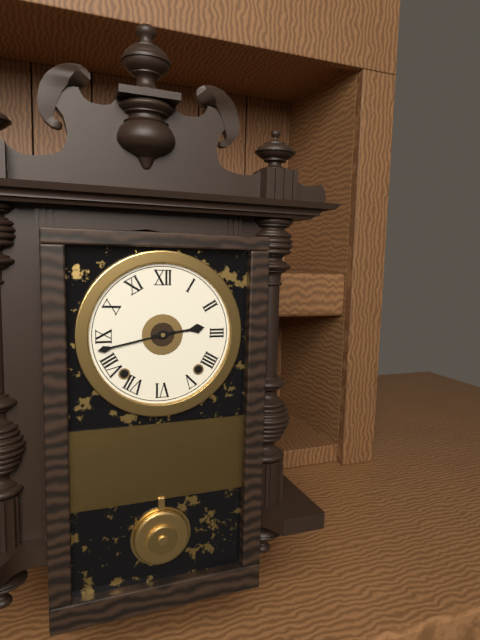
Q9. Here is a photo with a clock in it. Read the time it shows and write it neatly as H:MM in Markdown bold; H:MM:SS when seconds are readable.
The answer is **2:43**
